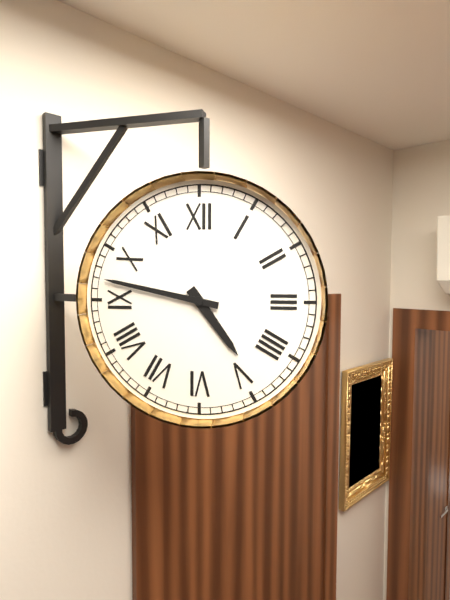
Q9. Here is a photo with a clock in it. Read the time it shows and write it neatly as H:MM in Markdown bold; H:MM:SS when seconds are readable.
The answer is **4:47**
